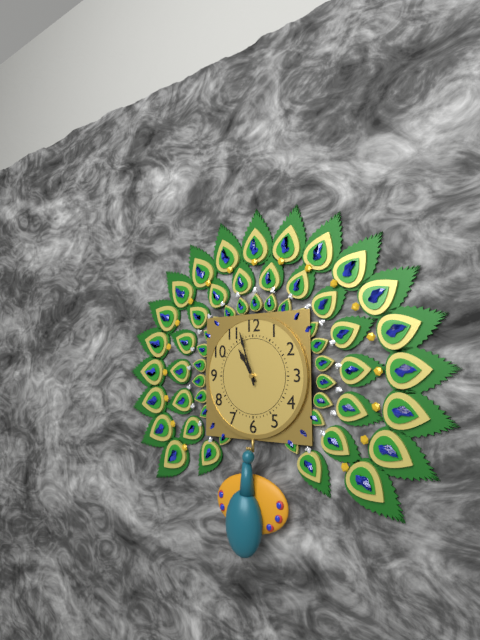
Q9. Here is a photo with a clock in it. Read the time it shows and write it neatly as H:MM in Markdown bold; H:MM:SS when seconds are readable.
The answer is **10:57**
